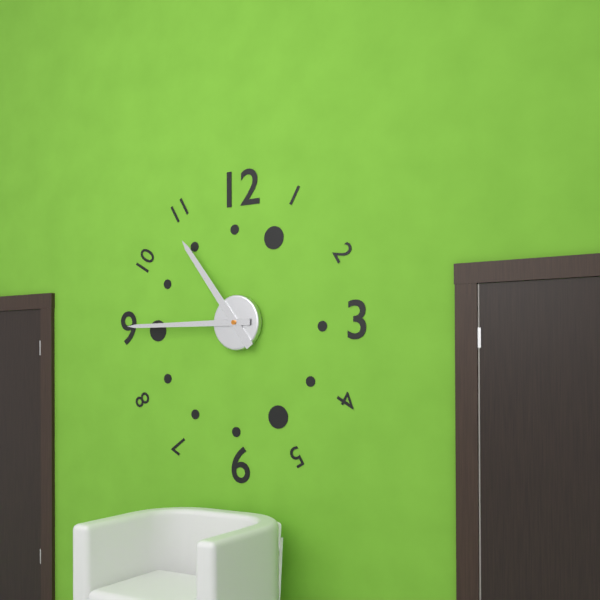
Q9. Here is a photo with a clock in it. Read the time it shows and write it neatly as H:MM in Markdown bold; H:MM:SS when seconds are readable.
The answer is **10:45**
